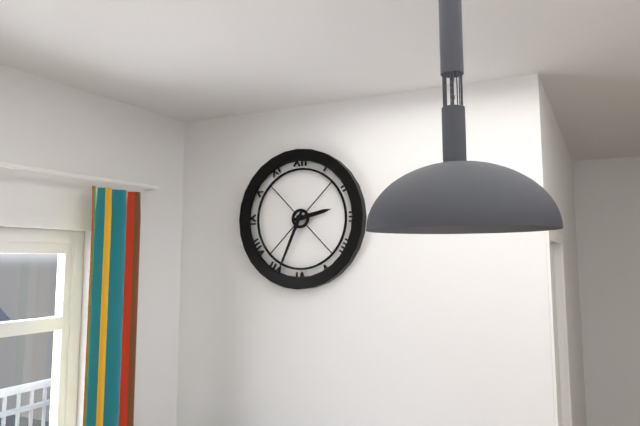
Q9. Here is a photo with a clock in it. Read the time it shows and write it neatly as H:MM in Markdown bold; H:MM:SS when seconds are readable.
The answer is **2:34**
